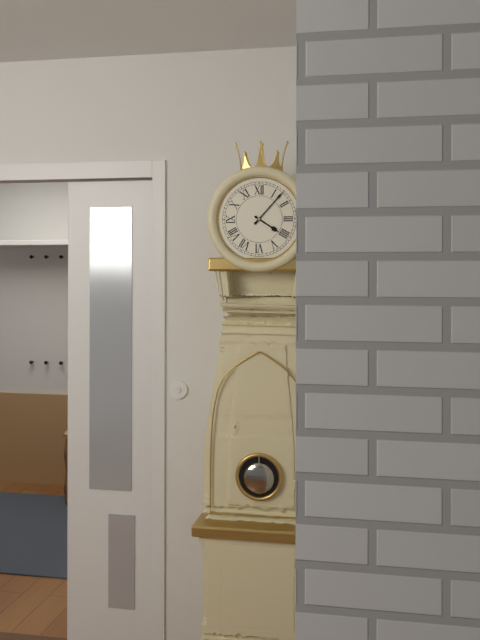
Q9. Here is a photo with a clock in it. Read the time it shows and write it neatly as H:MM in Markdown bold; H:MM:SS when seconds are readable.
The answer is **4:07**
